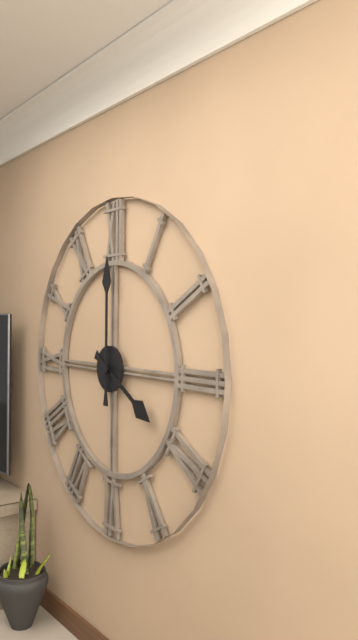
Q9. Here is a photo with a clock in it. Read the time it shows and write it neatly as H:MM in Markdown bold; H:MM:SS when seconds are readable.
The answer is **4:00**
